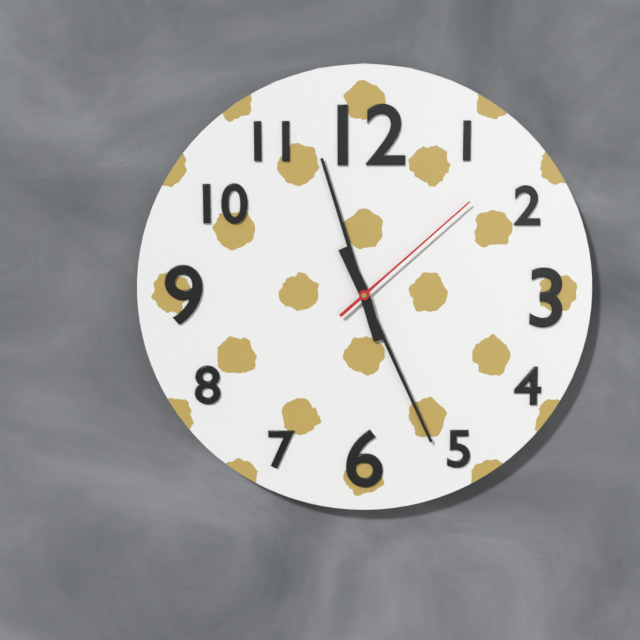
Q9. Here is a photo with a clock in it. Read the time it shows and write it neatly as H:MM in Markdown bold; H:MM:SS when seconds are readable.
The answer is **11:26:08**
